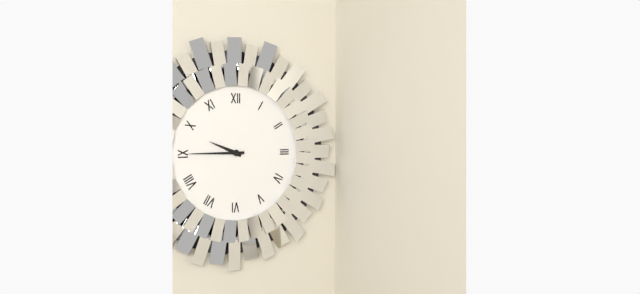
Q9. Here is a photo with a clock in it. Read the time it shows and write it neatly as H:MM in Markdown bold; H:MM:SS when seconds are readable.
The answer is **9:45**
